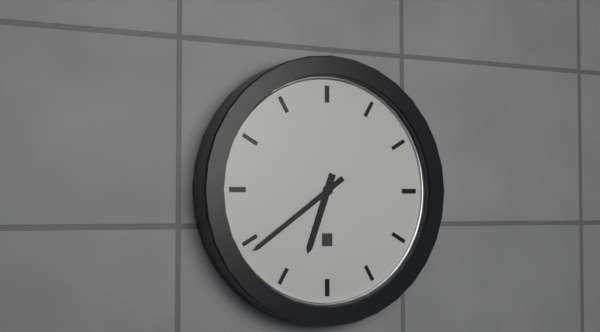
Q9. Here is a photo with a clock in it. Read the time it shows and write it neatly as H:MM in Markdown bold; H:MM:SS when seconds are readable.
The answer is **6:39**
